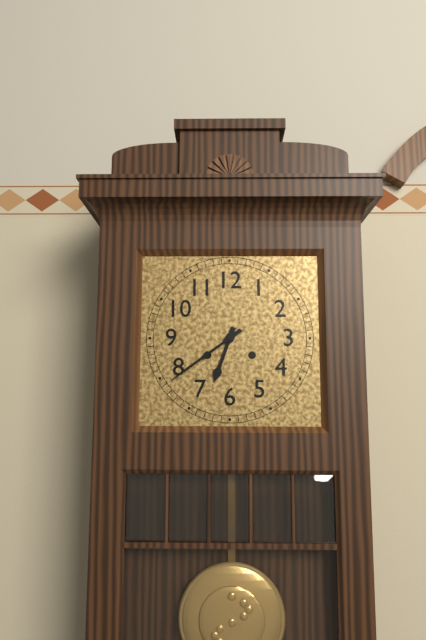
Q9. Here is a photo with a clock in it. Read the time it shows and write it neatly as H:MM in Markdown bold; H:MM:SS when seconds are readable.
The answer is **6:39**
